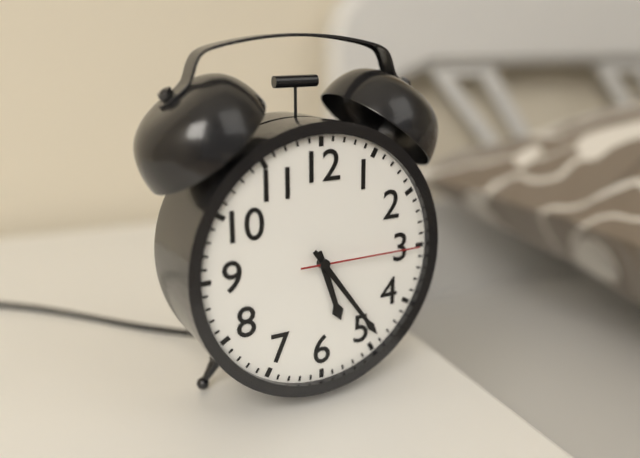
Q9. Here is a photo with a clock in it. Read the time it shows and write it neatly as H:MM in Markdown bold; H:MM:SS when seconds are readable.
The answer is **5:24:15**
